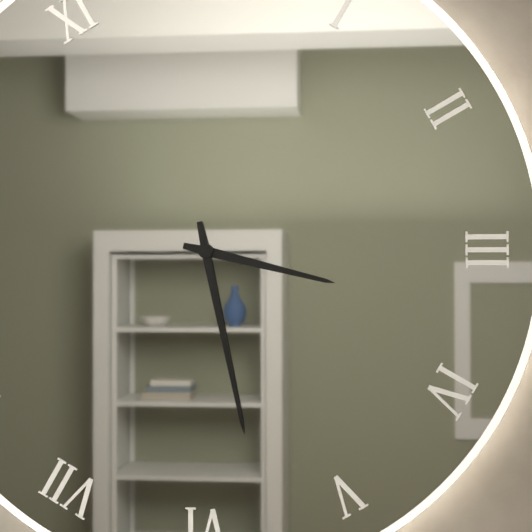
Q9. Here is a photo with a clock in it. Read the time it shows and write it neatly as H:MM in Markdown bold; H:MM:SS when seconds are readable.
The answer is **3:28**
